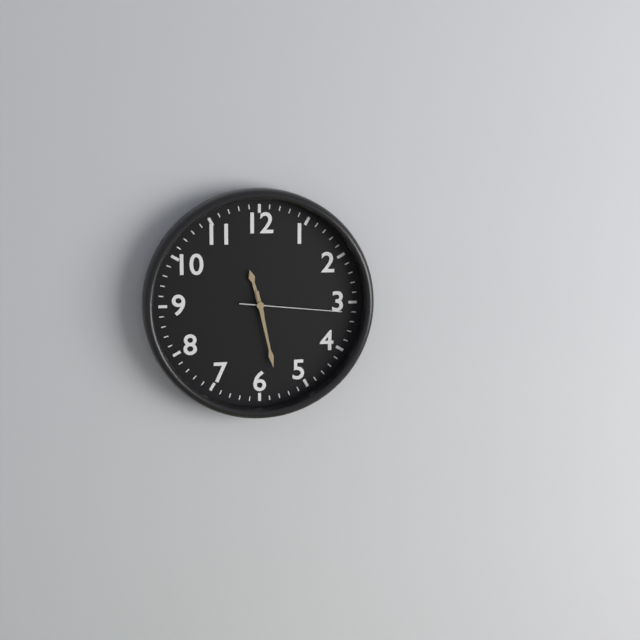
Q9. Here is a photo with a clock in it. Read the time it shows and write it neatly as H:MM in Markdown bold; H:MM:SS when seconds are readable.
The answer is **11:28:16**
